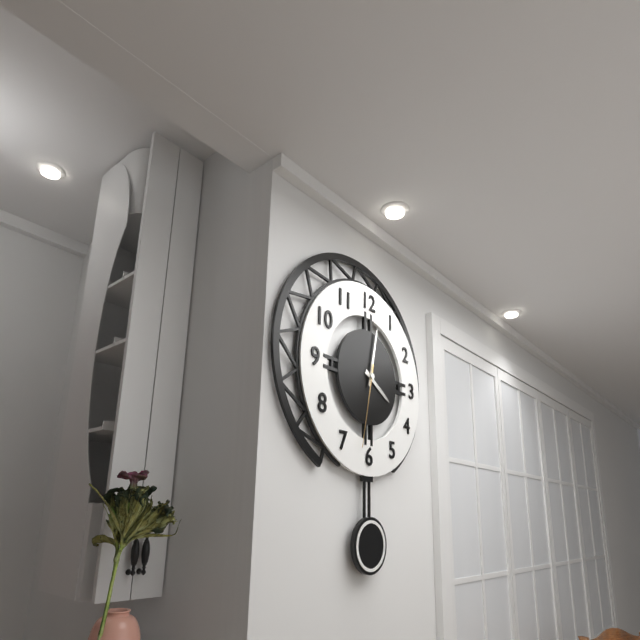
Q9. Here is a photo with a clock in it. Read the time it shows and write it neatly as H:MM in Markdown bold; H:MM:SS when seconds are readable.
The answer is **4:02:32**
